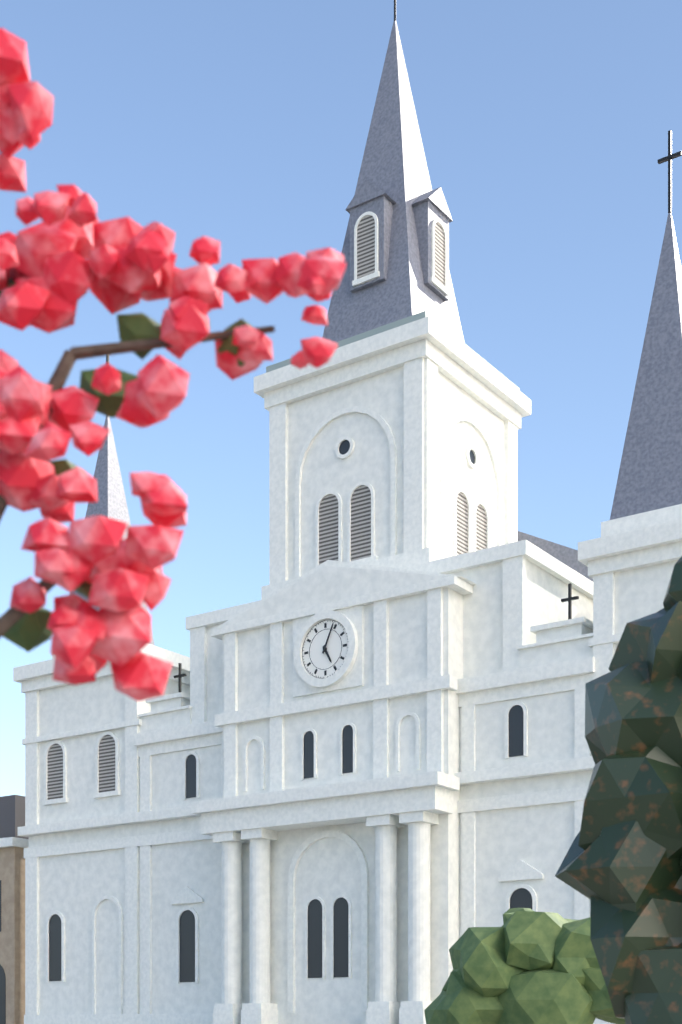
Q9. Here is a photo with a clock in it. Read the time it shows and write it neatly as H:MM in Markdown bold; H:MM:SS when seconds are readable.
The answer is **5:04**
